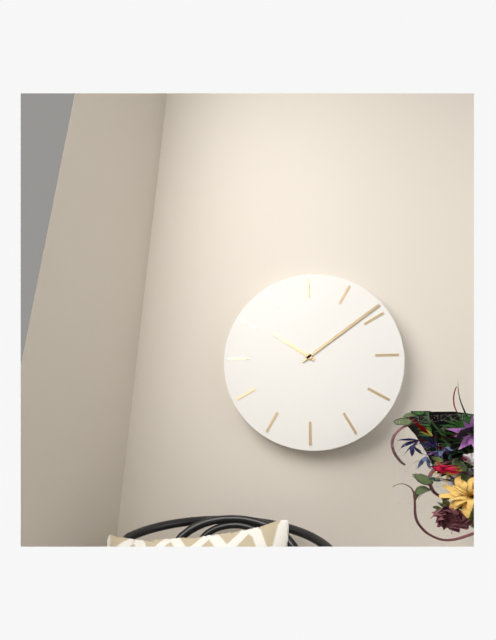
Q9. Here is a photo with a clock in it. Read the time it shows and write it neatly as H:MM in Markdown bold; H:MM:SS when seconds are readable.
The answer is **10:09**
